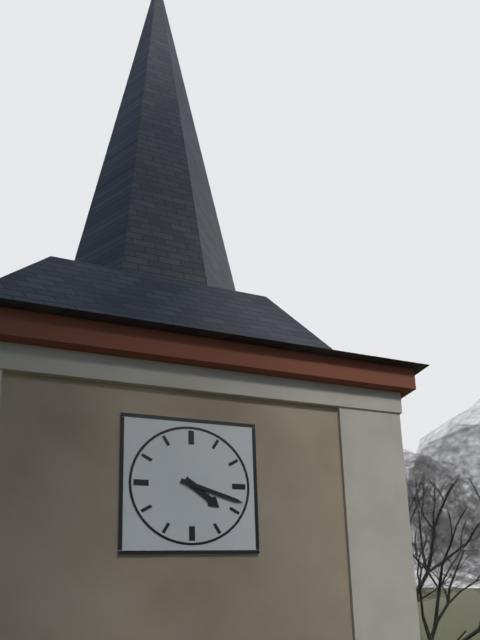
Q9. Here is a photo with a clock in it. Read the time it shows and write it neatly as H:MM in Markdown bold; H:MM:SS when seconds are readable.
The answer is **4:18**
